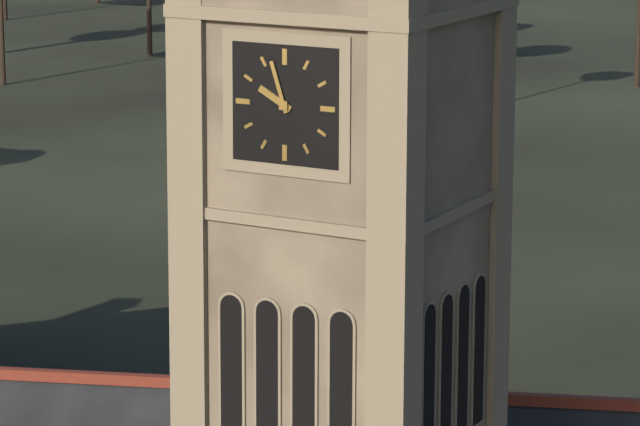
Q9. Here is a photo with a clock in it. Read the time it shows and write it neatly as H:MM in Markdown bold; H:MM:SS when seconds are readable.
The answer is **9:57**
